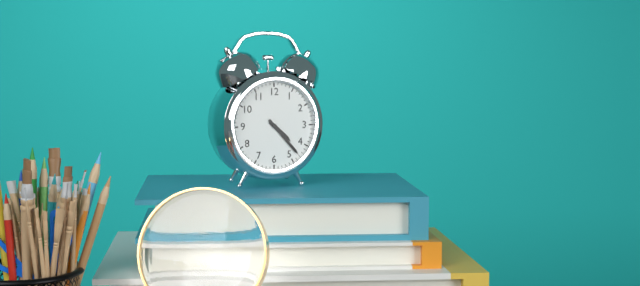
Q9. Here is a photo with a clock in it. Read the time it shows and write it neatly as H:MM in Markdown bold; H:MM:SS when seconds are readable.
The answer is **4:23**
